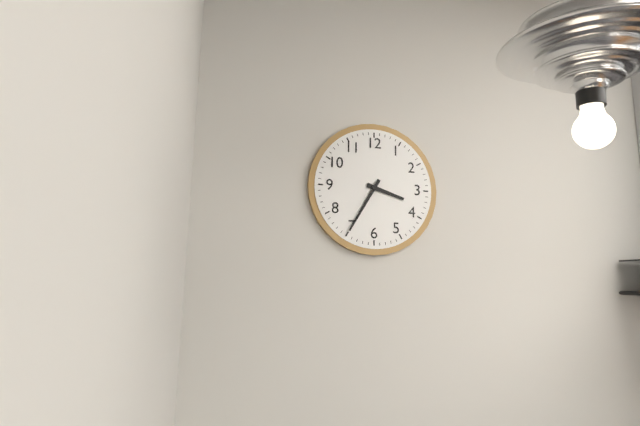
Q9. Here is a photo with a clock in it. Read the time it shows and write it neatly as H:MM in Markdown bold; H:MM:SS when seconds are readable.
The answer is **3:35**
